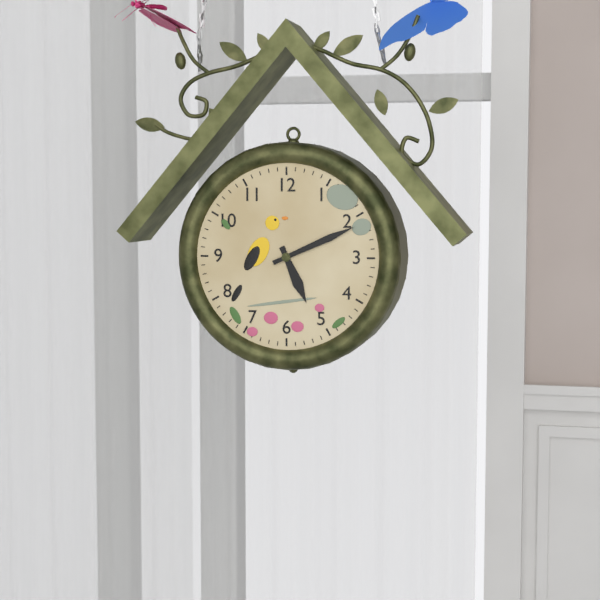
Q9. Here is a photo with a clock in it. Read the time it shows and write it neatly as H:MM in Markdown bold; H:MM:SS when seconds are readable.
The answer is **5:11**
